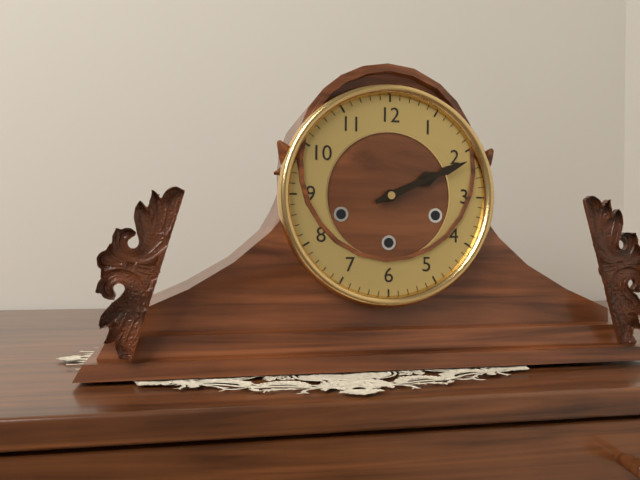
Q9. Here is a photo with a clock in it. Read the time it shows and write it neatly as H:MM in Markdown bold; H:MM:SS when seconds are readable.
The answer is **2:11**
